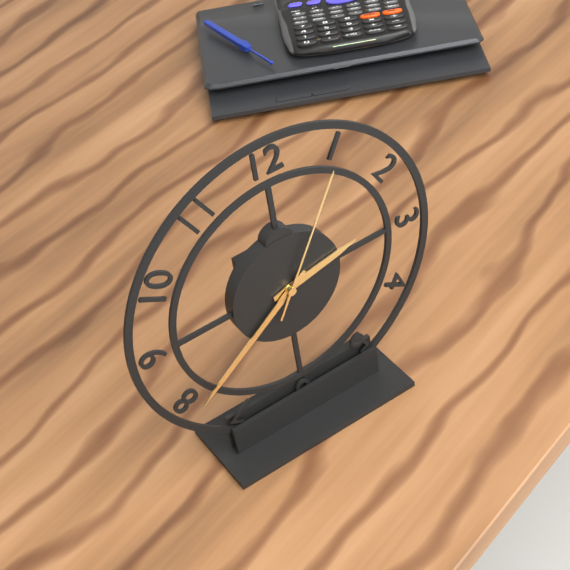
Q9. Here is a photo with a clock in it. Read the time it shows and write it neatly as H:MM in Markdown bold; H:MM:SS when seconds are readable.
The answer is **2:39:05**
